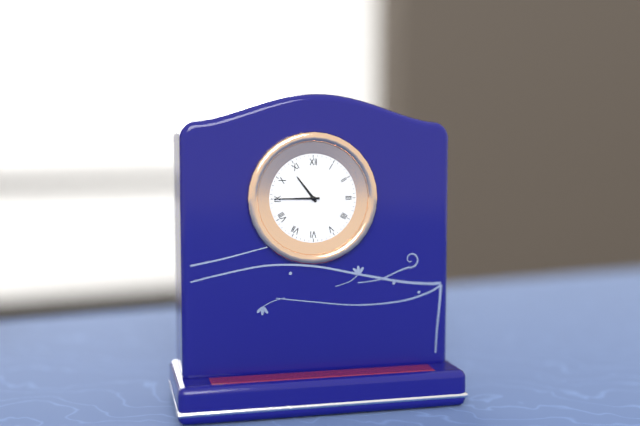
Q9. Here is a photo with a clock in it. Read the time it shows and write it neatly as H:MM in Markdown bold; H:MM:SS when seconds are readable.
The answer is **10:45**
